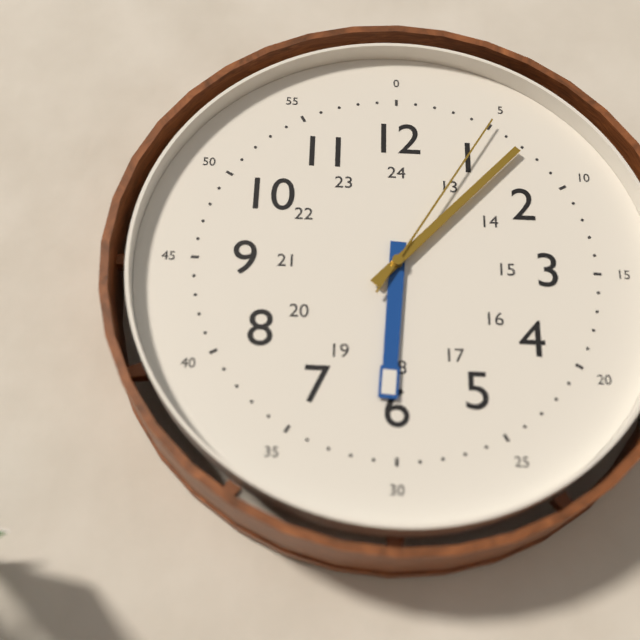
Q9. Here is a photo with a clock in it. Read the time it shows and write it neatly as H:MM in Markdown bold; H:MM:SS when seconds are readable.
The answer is **6:07:05**
